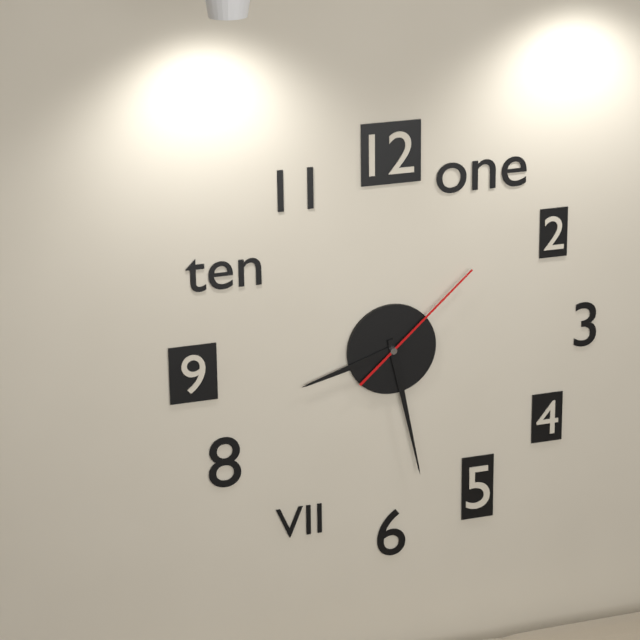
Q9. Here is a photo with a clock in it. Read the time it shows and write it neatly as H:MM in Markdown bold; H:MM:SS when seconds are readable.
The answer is **8:28:08**
